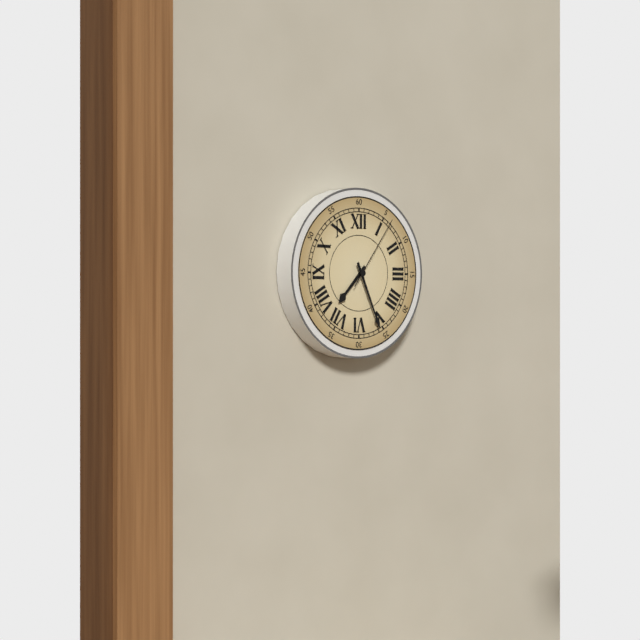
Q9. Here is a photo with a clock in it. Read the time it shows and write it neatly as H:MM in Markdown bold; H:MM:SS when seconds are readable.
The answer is **7:26:06**
